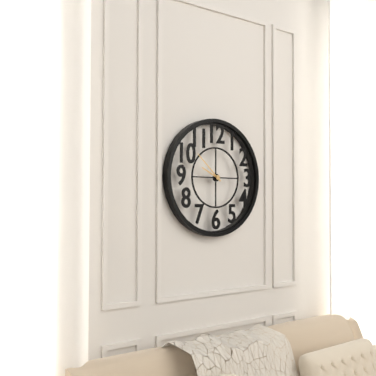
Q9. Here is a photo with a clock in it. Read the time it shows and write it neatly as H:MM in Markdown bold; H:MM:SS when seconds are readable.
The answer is **9:52**
